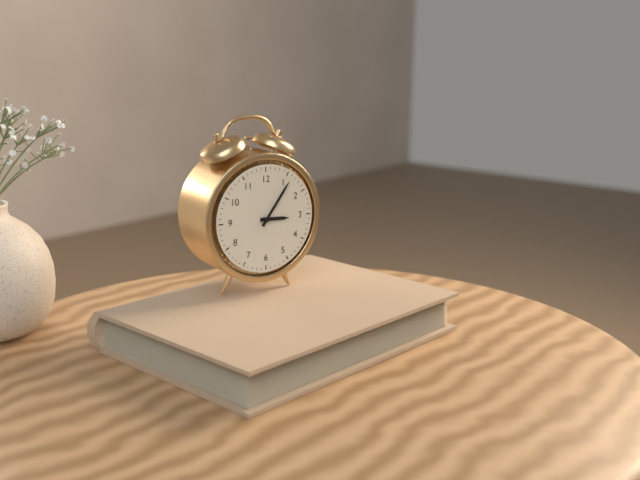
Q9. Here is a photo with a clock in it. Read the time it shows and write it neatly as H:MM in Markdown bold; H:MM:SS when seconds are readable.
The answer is **3:06**
